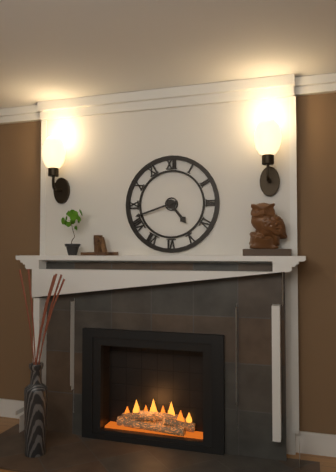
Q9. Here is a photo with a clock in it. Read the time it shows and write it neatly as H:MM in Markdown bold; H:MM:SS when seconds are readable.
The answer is **4:42**
